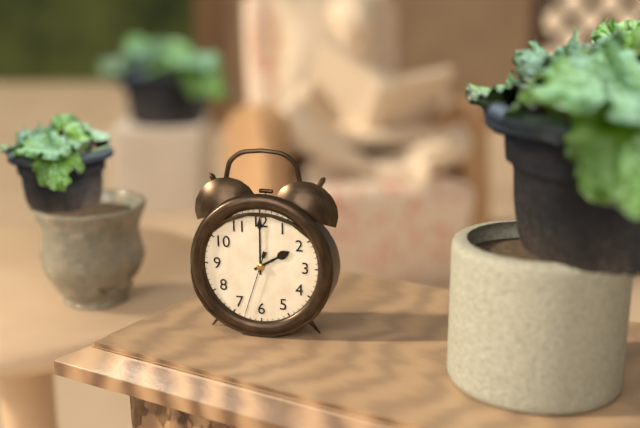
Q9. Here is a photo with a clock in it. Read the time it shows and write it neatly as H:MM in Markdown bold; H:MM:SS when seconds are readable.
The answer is **2:00:33**
